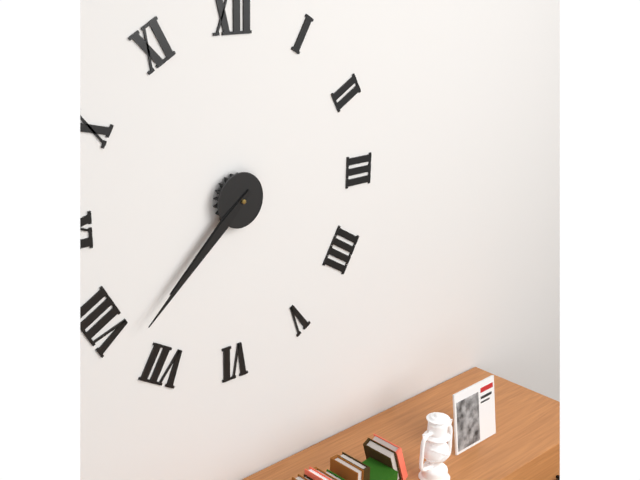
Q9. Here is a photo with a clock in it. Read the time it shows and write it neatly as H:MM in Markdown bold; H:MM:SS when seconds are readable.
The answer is **7:38**
